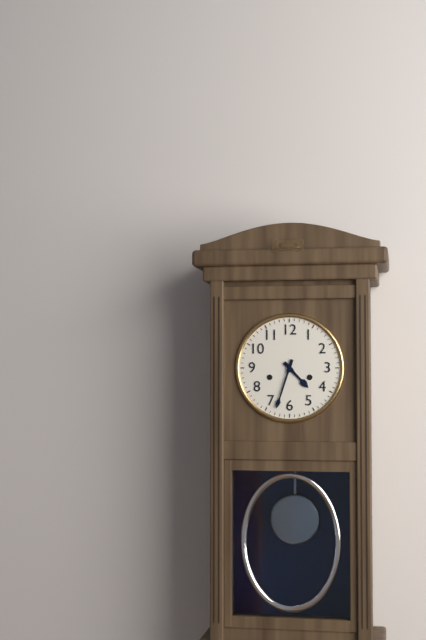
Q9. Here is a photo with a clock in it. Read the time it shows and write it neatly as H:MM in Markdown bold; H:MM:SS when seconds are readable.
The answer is **4:33**
